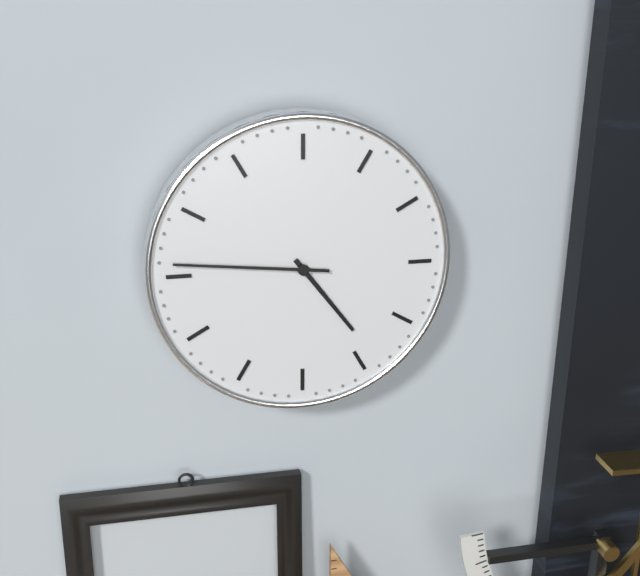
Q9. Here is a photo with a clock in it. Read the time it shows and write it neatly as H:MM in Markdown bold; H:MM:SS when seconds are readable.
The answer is **4:46**
